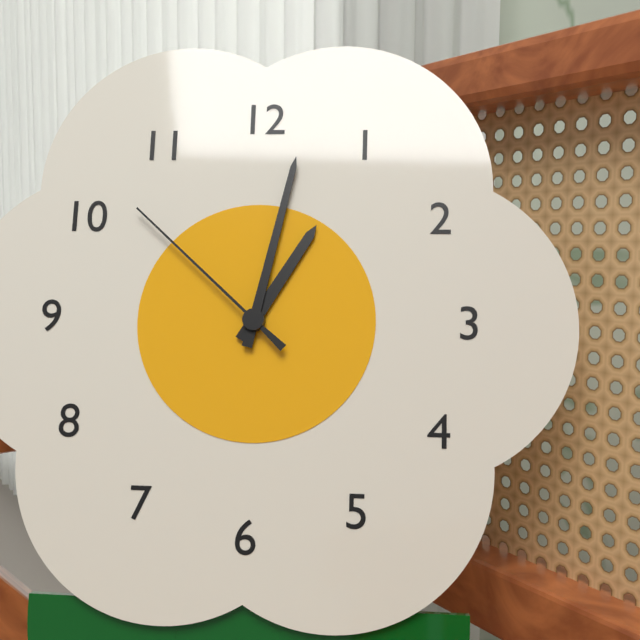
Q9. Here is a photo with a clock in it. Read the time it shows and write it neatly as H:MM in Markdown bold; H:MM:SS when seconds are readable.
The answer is **1:02:52**
